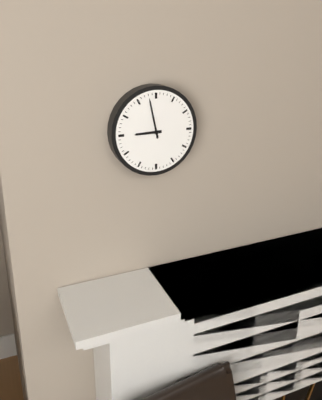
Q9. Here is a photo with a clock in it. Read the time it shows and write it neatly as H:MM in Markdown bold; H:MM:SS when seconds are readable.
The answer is **8:58**
